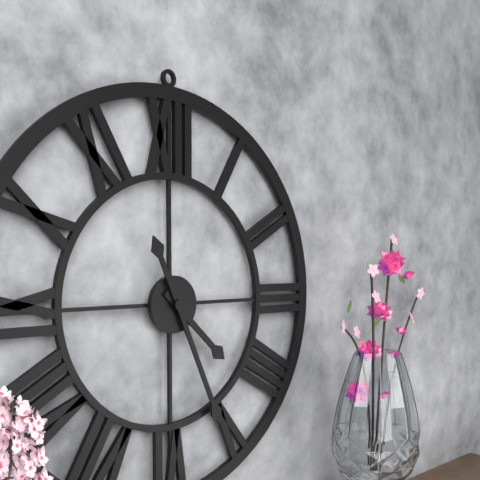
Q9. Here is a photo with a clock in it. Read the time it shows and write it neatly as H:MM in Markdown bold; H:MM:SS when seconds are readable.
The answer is **4:26**
